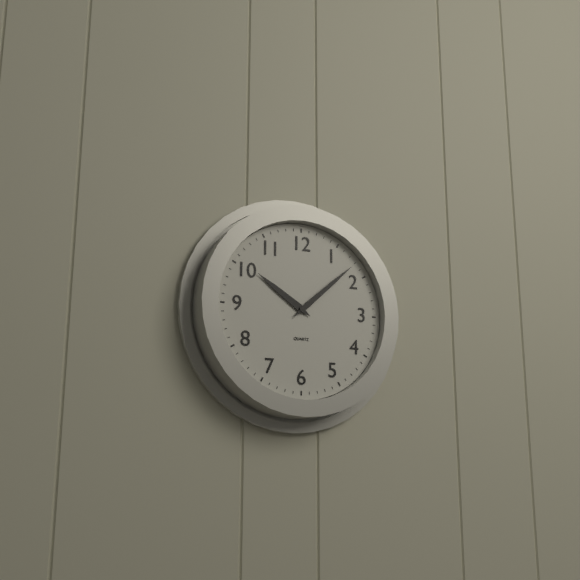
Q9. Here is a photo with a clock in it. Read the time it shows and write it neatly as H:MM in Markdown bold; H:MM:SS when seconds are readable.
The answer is **10:08**
